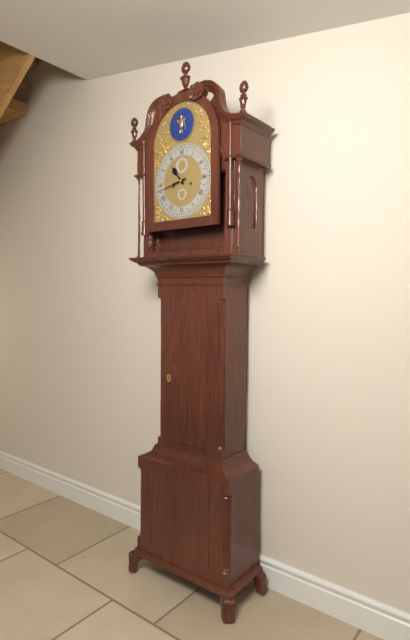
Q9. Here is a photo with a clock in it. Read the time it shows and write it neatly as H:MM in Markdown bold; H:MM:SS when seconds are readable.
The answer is **10:43**
